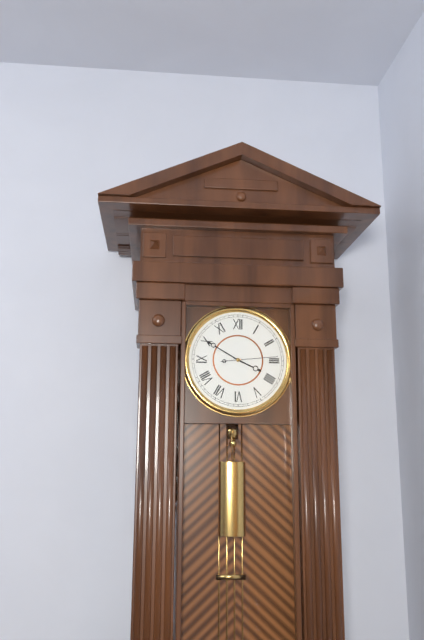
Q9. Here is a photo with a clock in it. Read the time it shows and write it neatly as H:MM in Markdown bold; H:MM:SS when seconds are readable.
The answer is **3:50**
